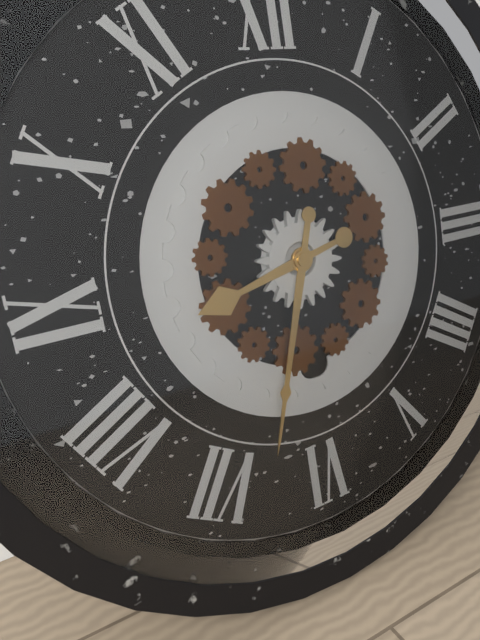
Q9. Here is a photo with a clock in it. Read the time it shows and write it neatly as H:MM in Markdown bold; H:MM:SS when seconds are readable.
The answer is **8:33**
